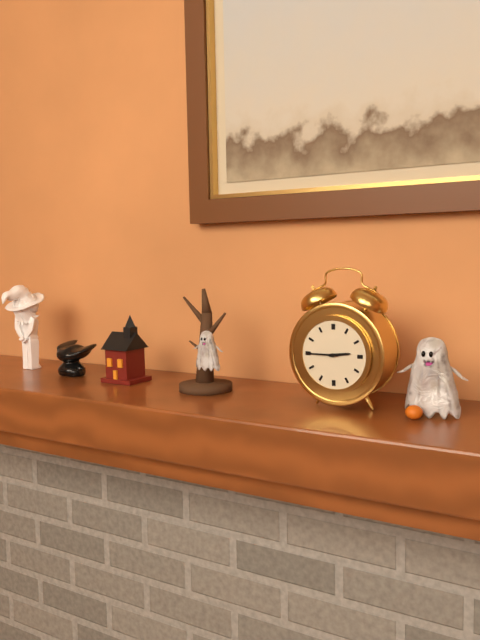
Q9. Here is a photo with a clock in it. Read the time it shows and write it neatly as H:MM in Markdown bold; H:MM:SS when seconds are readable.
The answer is **2:45**
